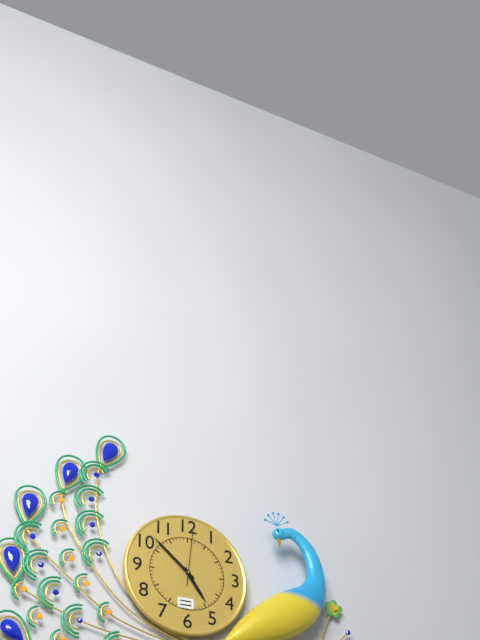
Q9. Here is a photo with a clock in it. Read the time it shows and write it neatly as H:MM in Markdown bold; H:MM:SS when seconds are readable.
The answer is **4:52:01**
